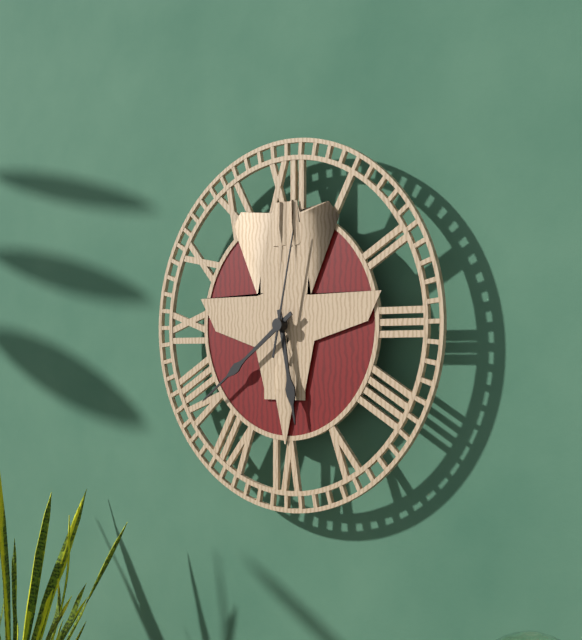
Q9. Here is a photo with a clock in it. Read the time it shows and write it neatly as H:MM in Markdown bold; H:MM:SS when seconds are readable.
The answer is **5:39:02**
